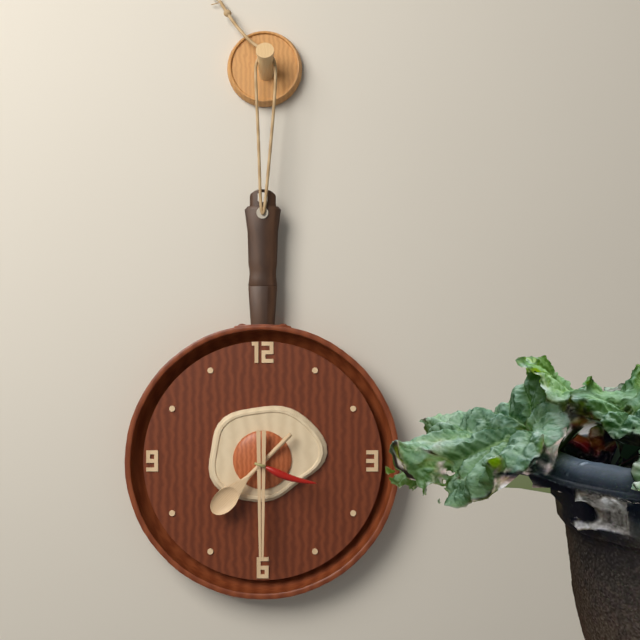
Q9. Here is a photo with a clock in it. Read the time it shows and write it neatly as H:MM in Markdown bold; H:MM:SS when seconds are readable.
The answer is **7:30:18**
